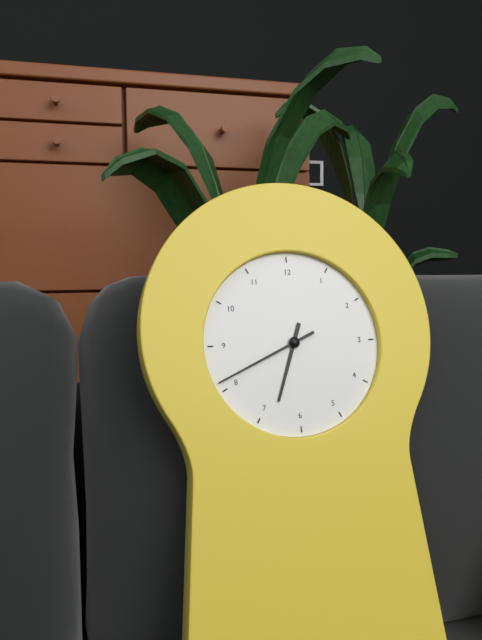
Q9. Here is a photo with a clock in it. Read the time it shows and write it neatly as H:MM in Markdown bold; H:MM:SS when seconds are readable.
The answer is **6:41**
